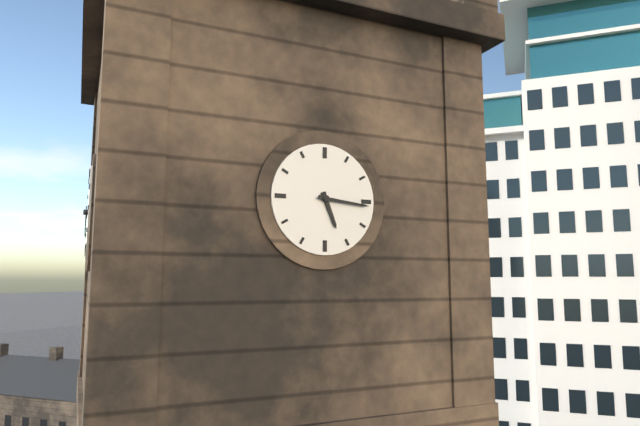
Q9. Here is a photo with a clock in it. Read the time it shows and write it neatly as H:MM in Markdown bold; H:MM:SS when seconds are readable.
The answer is **5:16**
